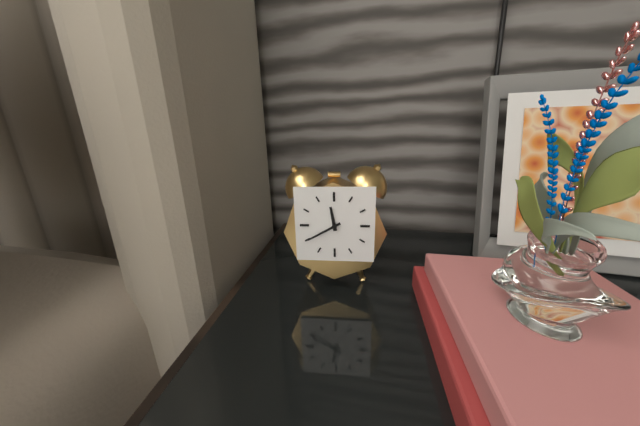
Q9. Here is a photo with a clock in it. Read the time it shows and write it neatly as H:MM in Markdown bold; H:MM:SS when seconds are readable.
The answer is **11:40**
